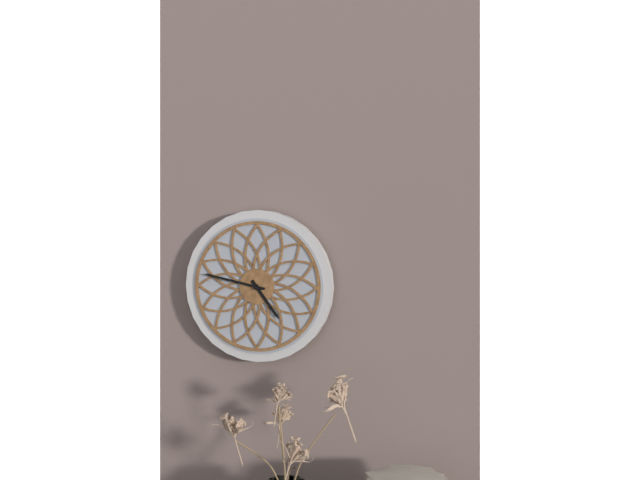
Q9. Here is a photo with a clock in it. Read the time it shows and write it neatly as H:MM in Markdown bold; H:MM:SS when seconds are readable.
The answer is **4:47**
